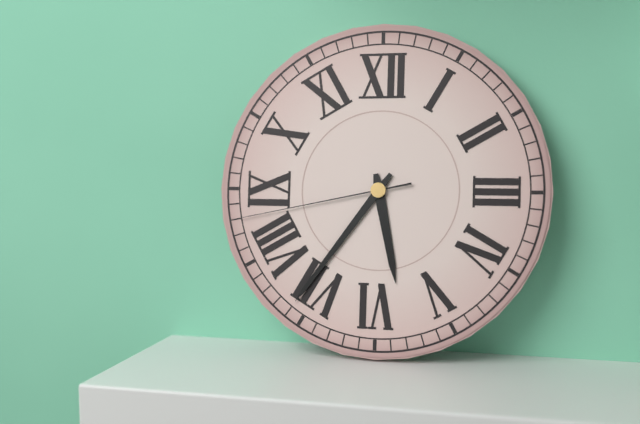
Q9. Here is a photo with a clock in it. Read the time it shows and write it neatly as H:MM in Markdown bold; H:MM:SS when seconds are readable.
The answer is **5:36:43**
